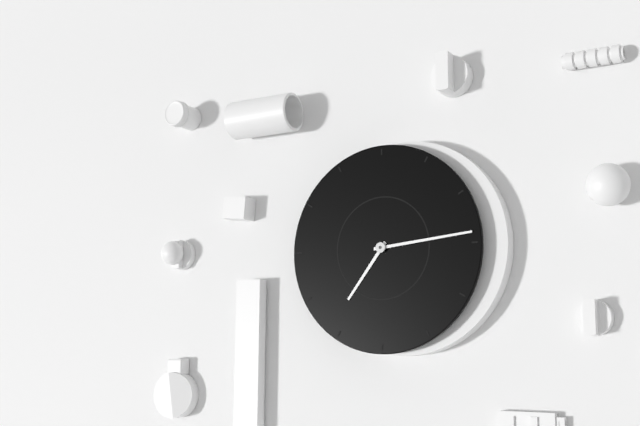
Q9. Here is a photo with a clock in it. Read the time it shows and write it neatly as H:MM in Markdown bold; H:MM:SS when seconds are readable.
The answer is **7:14**
